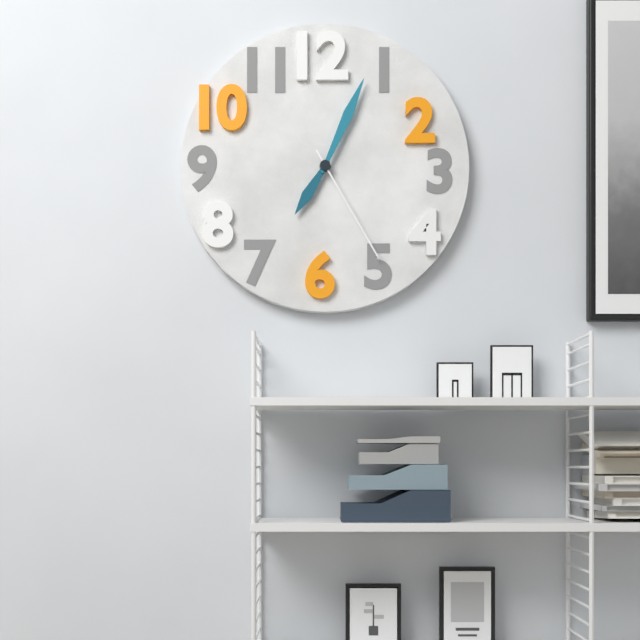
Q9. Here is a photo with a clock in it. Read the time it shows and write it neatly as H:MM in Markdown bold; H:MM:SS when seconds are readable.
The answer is **7:04:25**
